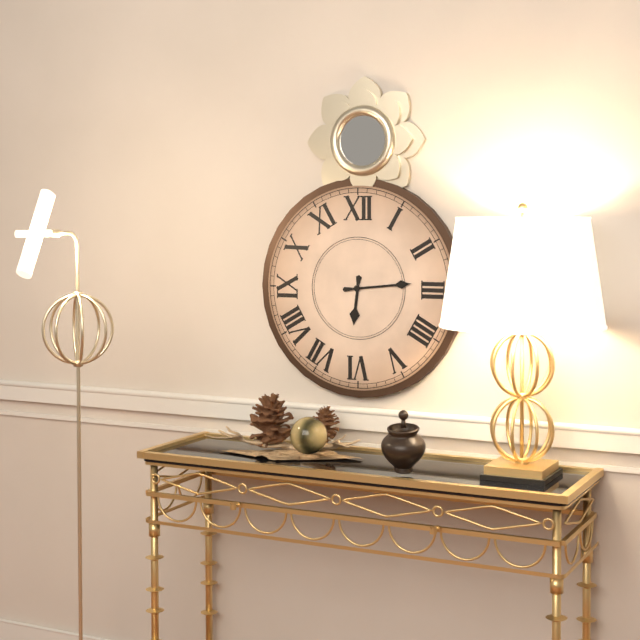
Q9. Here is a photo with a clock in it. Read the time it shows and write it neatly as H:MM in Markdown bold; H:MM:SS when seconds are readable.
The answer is **6:14**
